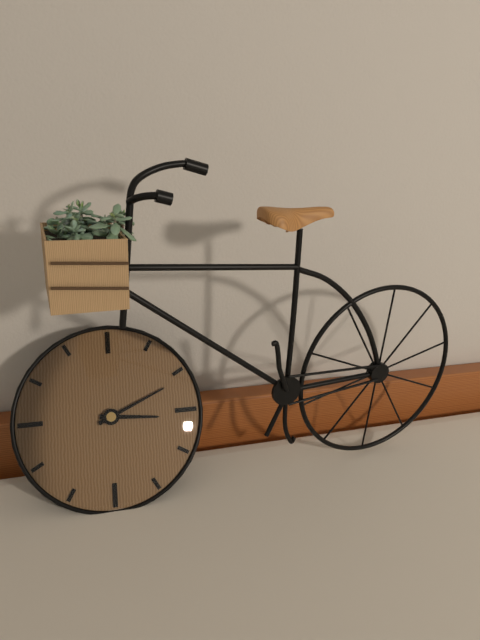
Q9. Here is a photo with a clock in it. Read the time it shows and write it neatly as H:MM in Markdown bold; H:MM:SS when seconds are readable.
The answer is **3:11**
